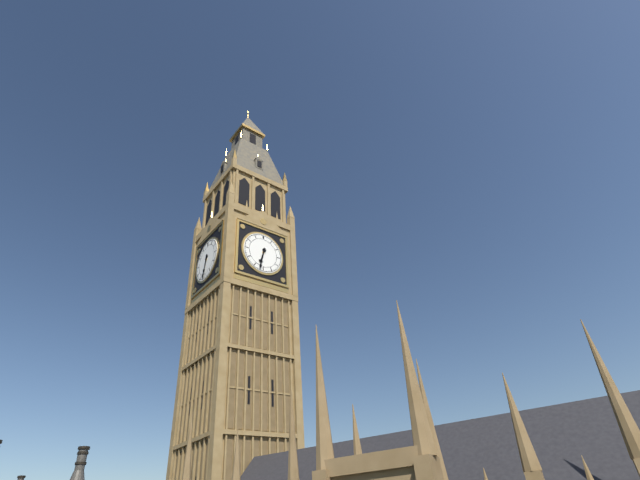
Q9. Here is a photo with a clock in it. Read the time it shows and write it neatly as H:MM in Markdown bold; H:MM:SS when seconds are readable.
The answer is **6:32**
